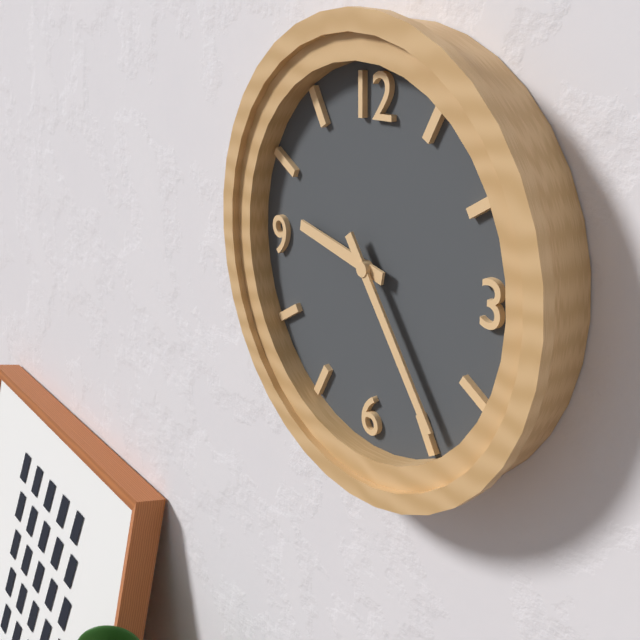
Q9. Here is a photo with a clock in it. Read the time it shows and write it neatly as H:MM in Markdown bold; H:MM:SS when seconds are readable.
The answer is **9:24**
